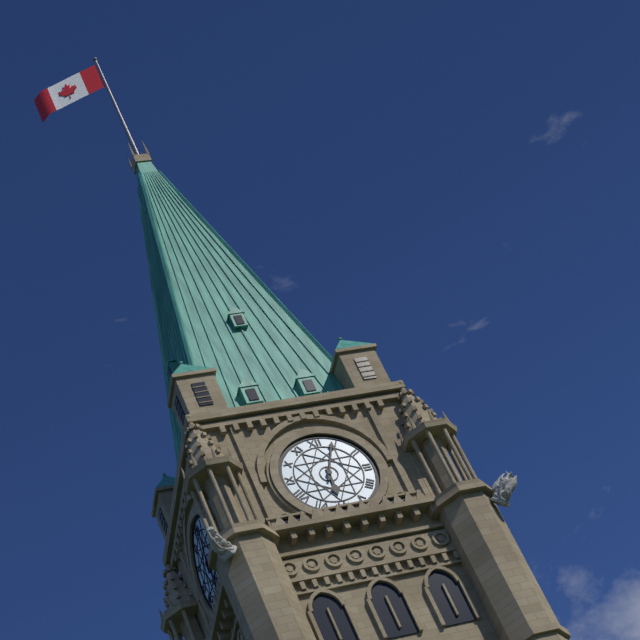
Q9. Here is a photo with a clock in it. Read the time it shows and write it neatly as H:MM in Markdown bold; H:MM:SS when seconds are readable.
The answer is **6:04**
